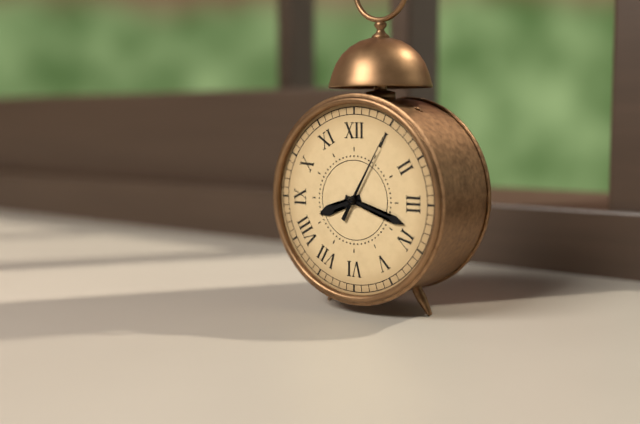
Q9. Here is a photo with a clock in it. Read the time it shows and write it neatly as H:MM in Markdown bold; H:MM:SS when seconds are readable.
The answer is **8:18:05**
